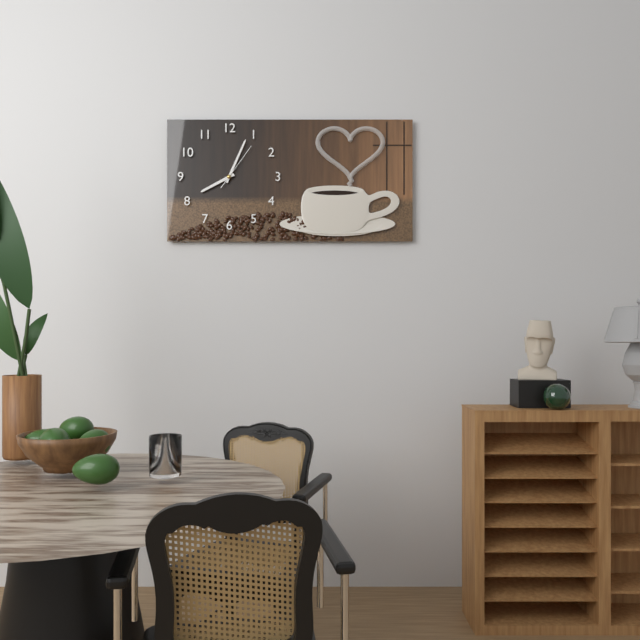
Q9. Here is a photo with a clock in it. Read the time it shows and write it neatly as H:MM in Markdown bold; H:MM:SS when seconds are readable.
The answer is **8:04**
